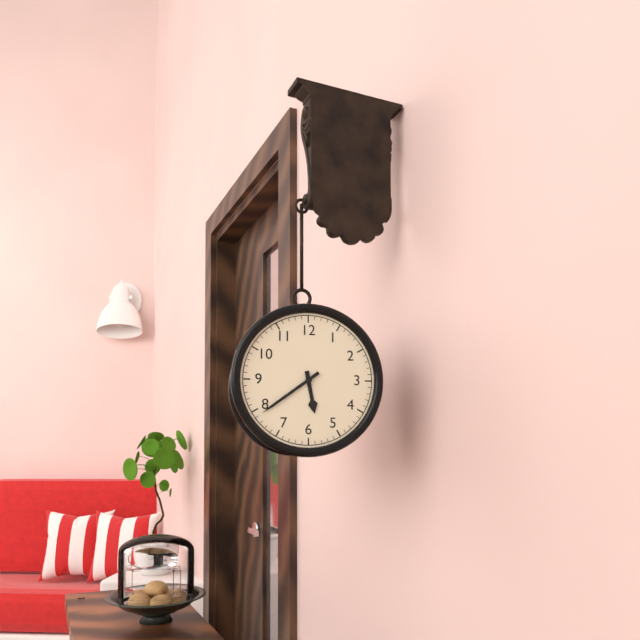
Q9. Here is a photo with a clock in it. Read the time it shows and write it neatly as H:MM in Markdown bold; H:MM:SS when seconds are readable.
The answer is **5:39**
